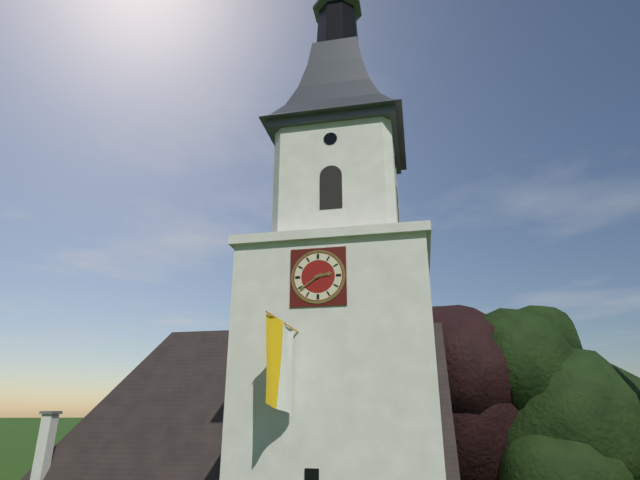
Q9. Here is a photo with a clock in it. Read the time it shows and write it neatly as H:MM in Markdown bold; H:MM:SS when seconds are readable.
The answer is **2:39**
